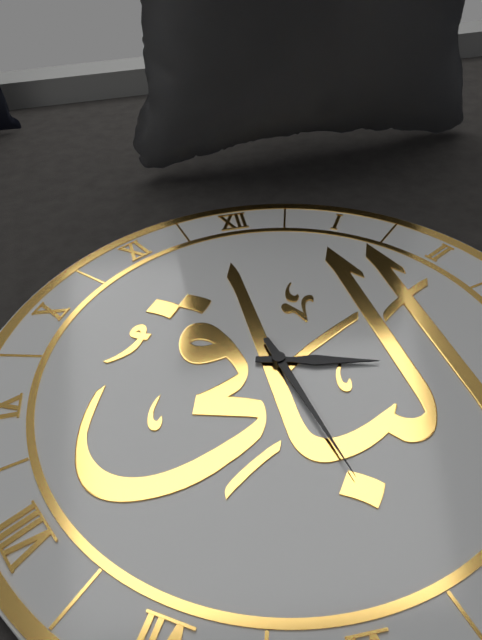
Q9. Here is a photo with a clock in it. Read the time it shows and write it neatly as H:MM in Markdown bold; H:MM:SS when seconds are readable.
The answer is **3:28**
